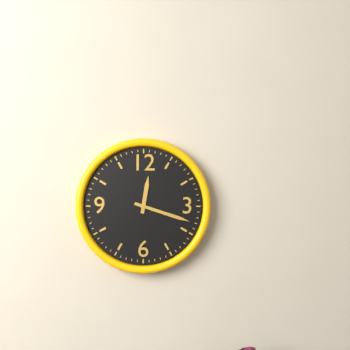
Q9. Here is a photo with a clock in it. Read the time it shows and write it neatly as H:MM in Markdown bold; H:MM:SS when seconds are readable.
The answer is **12:18**
